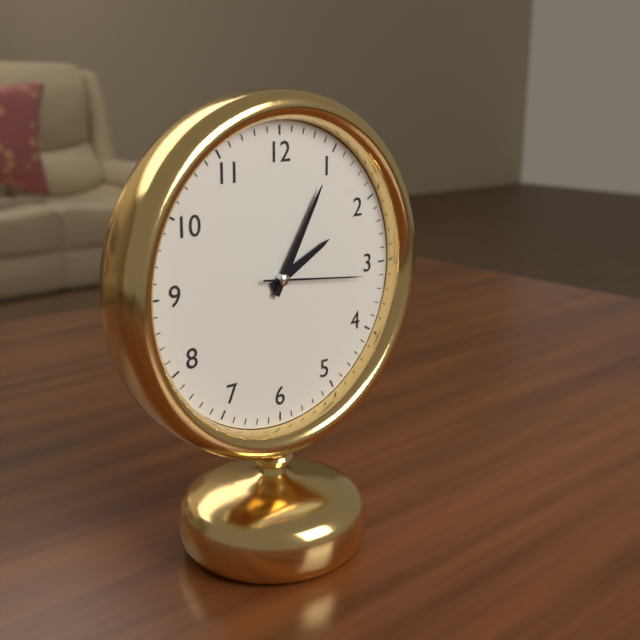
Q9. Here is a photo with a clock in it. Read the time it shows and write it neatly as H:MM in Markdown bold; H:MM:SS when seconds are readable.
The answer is **2:05:16**
